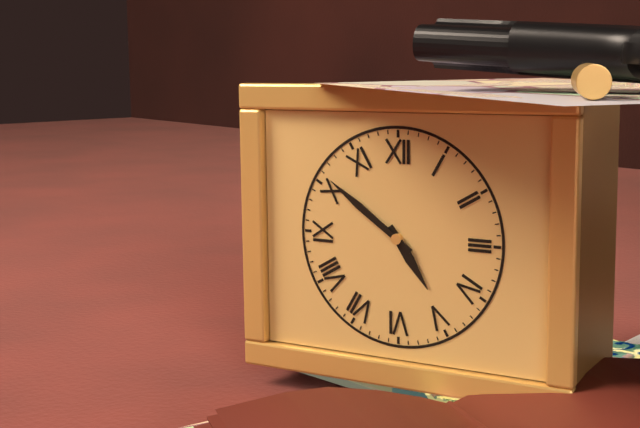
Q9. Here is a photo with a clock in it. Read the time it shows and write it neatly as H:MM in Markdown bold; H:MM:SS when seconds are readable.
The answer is **4:51**
